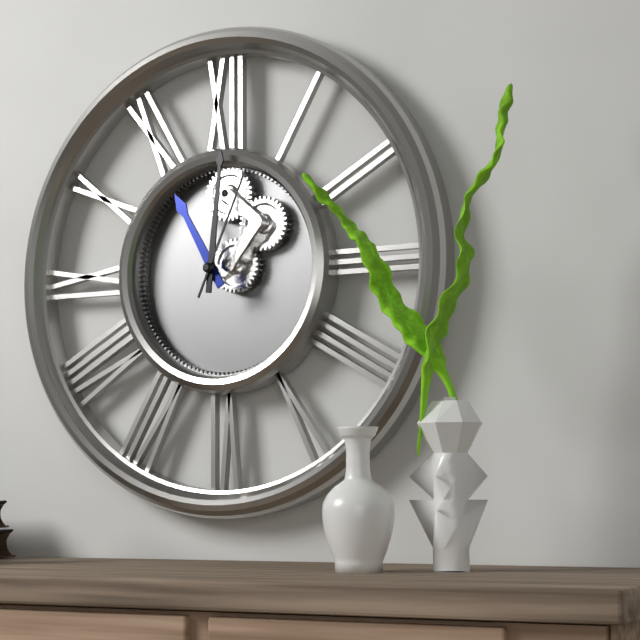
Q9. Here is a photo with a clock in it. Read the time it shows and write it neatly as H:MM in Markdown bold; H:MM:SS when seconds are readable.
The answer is **11:01:04**
